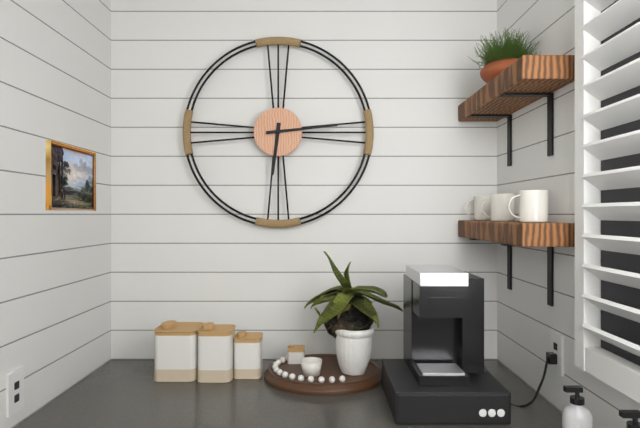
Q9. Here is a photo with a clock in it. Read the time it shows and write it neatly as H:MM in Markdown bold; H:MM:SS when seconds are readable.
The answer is **6:14**
